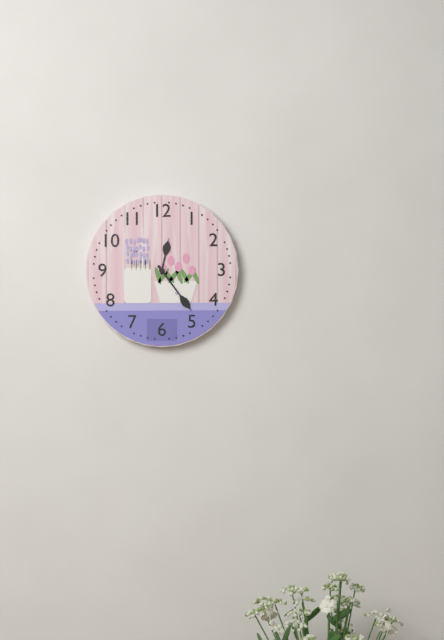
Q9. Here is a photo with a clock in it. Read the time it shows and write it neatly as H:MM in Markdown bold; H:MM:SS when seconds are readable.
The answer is **12:24**
